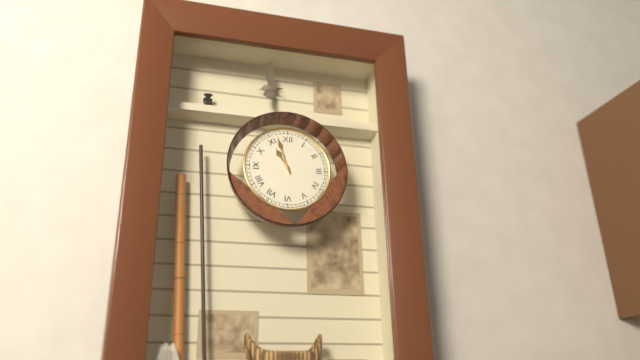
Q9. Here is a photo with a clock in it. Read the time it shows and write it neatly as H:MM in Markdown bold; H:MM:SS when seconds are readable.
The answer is **10:57**
